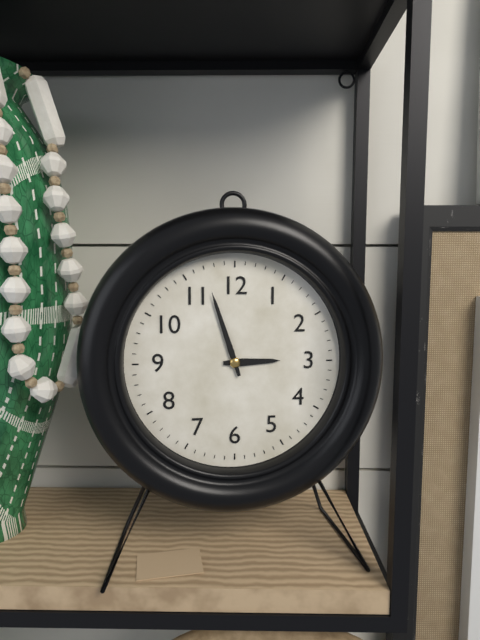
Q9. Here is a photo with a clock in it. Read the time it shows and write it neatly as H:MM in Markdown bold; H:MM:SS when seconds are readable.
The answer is **2:57**
